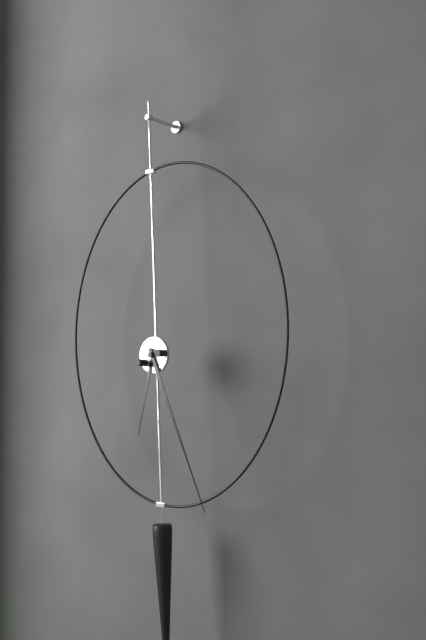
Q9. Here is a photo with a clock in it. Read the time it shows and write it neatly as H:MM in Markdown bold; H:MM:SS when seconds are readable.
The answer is **6:26**
